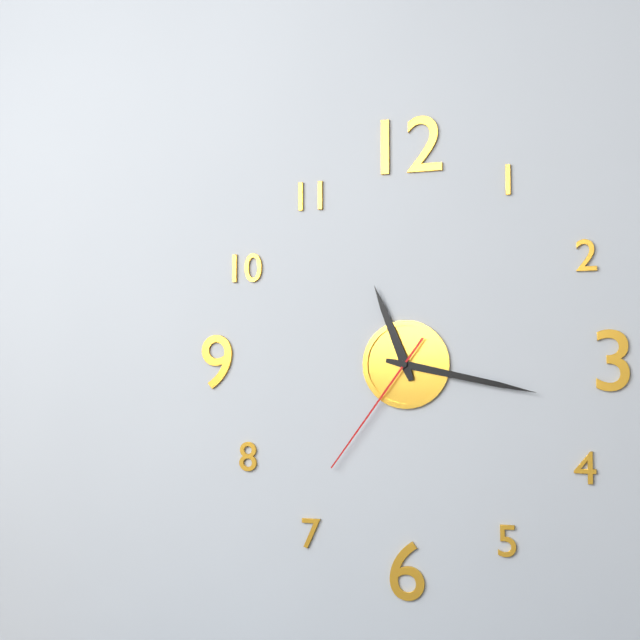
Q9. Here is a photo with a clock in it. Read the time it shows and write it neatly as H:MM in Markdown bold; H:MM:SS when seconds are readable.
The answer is **11:17:36**
